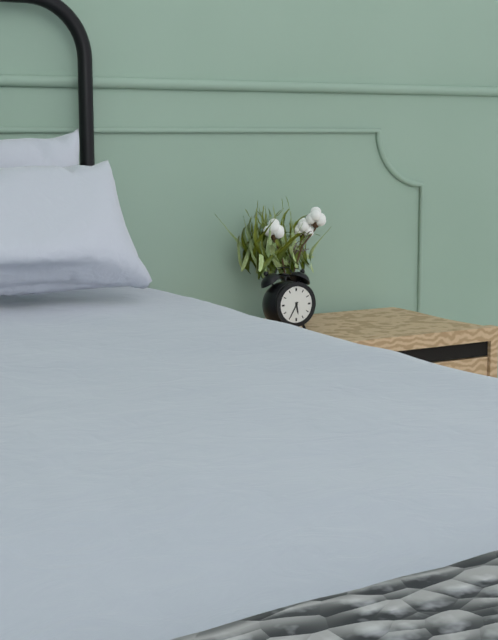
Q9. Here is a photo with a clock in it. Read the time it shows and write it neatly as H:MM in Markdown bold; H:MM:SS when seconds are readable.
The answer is **5:35**
